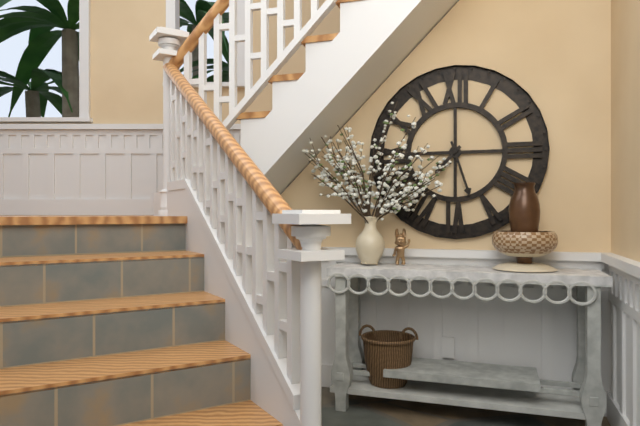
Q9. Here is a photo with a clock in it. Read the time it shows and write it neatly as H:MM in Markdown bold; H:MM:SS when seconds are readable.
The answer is **7:27**
